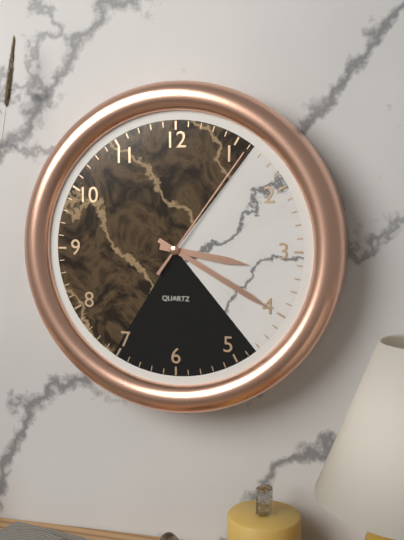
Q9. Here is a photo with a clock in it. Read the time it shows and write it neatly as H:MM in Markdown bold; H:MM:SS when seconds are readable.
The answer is **3:20:06**
